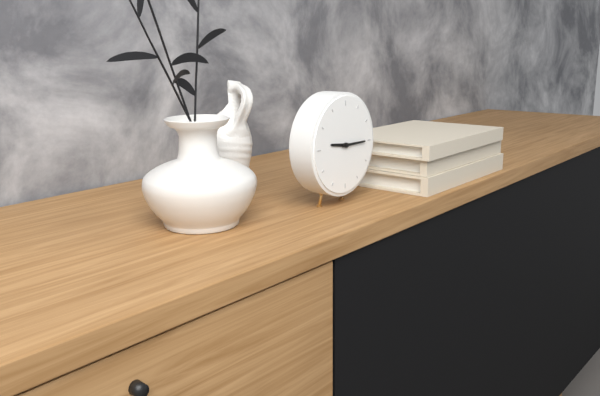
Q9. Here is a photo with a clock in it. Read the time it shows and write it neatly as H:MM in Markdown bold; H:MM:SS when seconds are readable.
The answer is **9:15**
